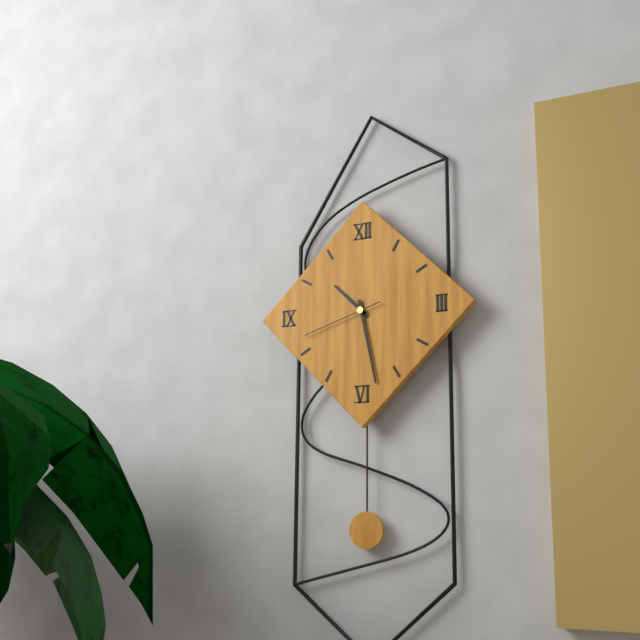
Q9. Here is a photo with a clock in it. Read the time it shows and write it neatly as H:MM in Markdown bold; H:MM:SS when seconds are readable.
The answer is **10:28:42**
